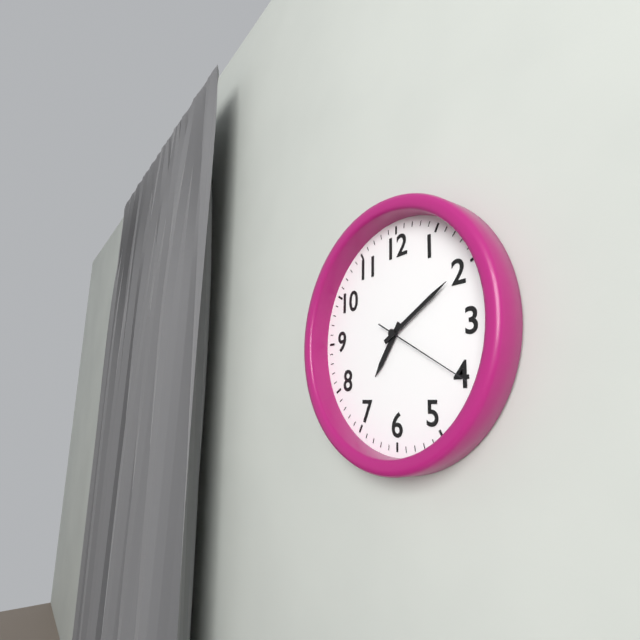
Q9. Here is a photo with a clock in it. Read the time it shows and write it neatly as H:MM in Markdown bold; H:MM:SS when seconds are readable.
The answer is **7:10:20**
